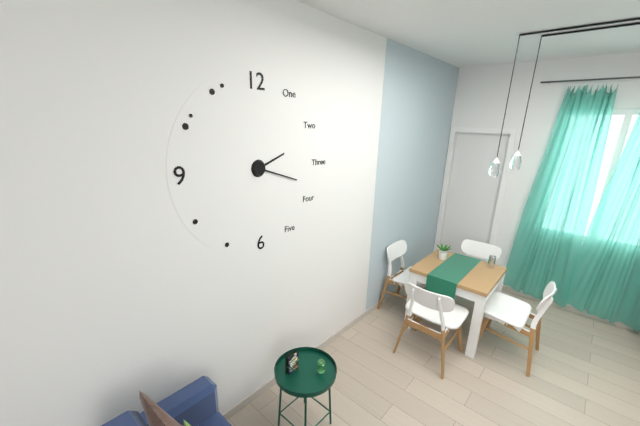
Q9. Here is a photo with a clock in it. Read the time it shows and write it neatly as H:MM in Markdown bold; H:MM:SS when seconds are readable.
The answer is **2:18**
